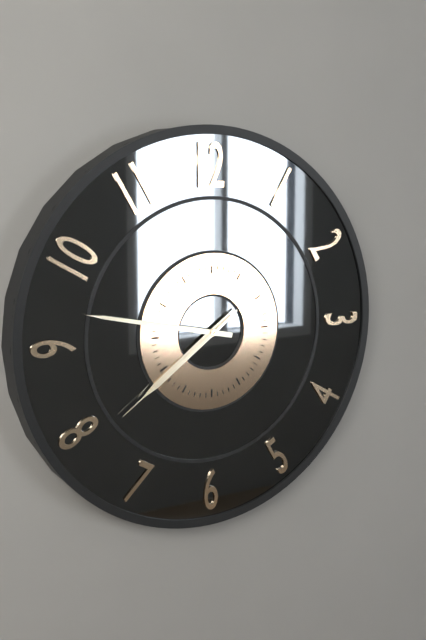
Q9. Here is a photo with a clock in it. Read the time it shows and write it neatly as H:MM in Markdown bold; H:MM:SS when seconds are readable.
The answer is **7:47:39**
